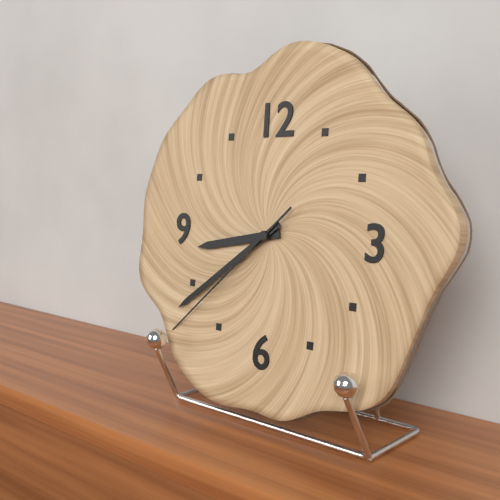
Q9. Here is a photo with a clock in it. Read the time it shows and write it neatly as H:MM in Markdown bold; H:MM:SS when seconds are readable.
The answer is **8:39:38**
